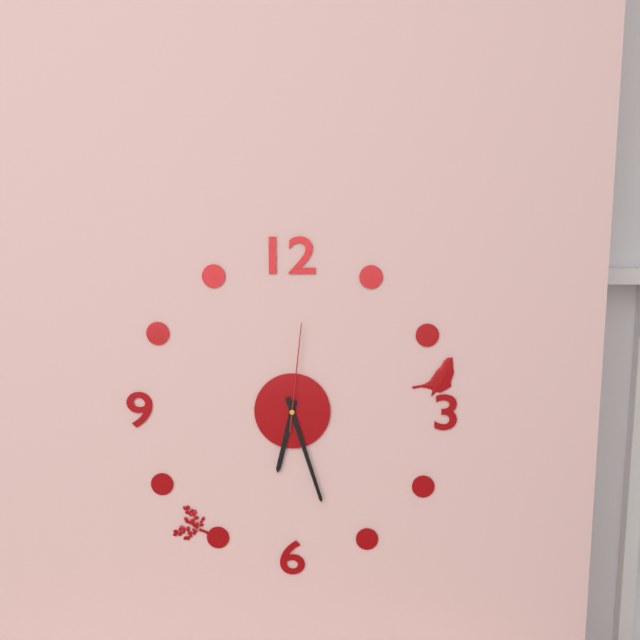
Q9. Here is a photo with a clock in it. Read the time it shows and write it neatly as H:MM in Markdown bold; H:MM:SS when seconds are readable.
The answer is **6:27:01**
